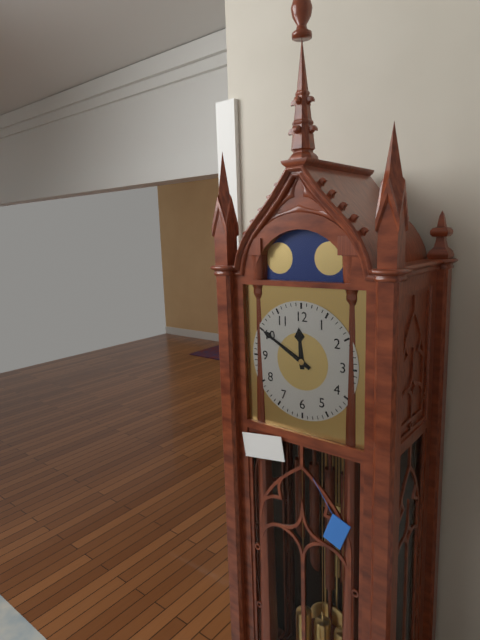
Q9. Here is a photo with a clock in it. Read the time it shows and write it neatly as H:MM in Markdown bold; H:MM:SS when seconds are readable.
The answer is **11:50**
